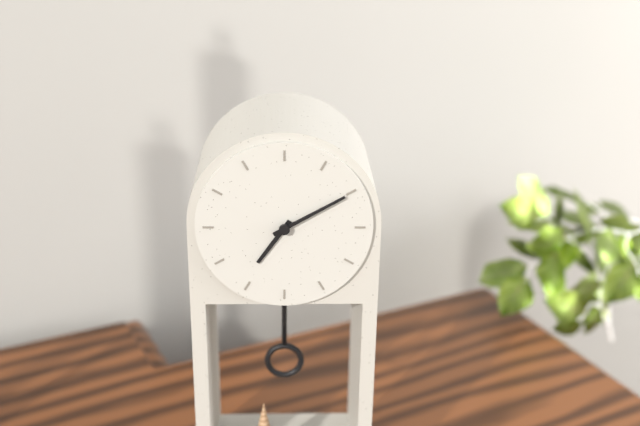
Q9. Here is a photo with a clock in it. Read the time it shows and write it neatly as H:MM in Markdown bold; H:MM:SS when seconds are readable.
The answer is **7:10**
